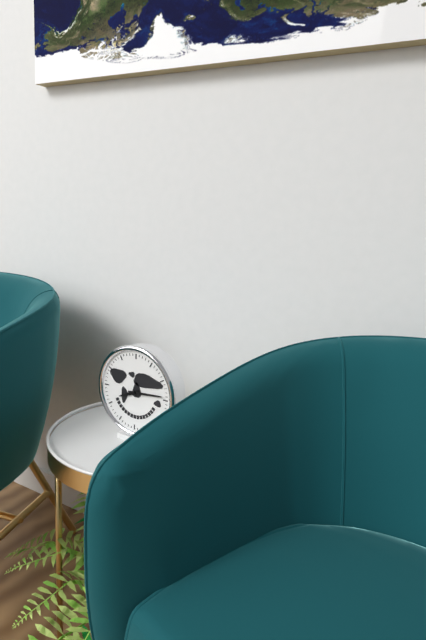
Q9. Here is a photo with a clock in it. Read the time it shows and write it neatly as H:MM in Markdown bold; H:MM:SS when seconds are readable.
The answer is **8:14**
